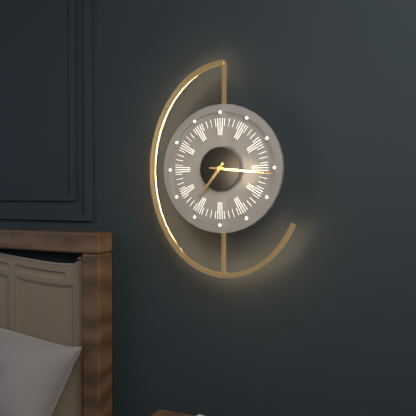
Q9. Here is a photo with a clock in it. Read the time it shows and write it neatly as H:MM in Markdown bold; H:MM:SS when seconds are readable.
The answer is **7:16**
